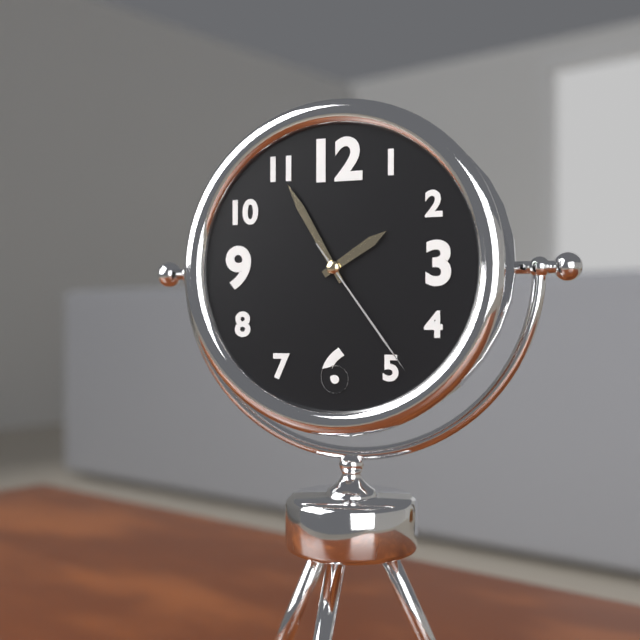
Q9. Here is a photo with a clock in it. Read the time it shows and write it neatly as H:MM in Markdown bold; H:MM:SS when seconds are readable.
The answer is **1:55:24**
